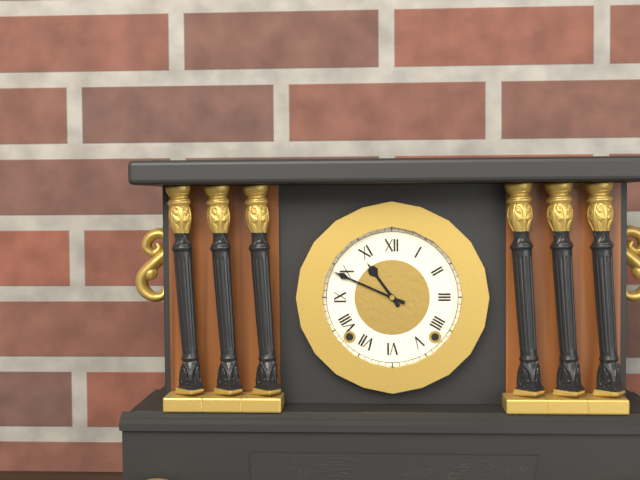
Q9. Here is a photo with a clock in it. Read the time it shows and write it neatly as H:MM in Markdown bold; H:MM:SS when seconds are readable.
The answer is **10:49**
